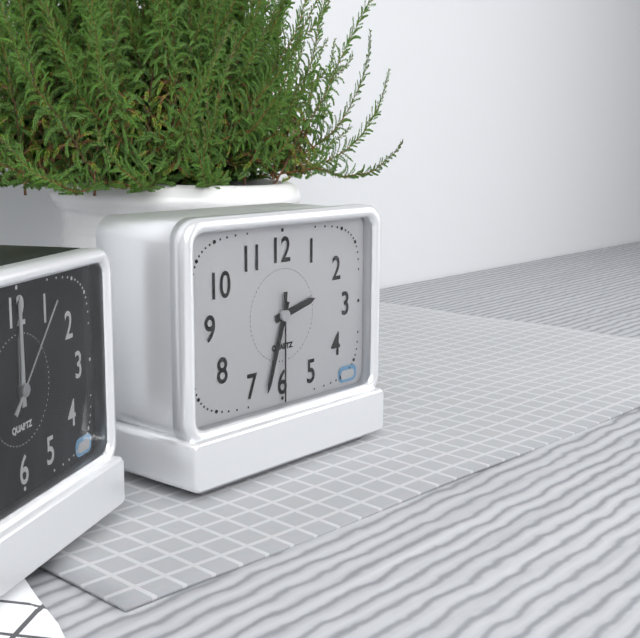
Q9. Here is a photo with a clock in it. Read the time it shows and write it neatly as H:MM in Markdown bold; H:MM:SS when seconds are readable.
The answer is **2:33:30**
